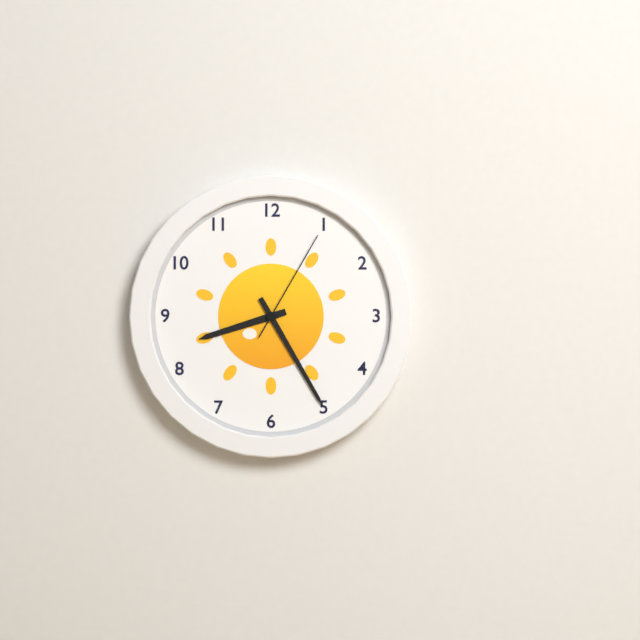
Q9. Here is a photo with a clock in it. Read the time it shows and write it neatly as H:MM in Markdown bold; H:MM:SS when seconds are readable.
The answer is **8:25:05**
